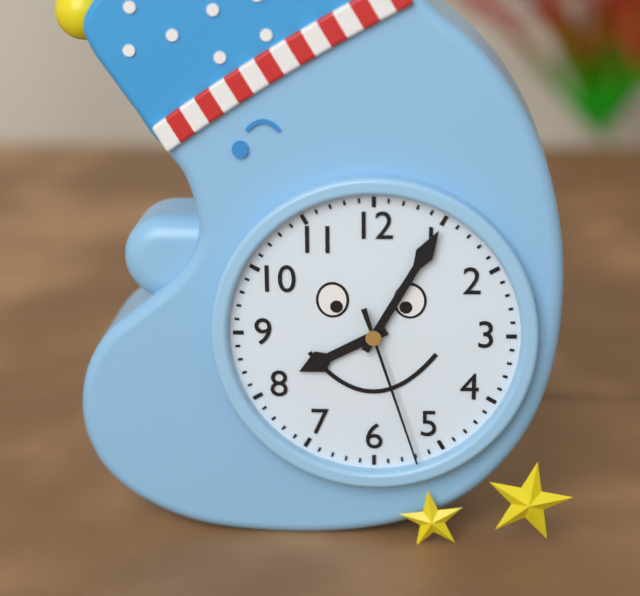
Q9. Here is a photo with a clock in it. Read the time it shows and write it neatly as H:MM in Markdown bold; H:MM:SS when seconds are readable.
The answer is **8:05:27**
